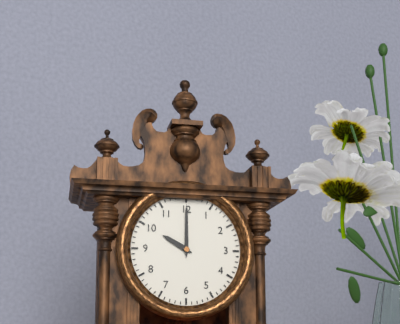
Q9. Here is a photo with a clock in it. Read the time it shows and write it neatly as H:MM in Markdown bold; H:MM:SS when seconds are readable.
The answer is **10:00**
